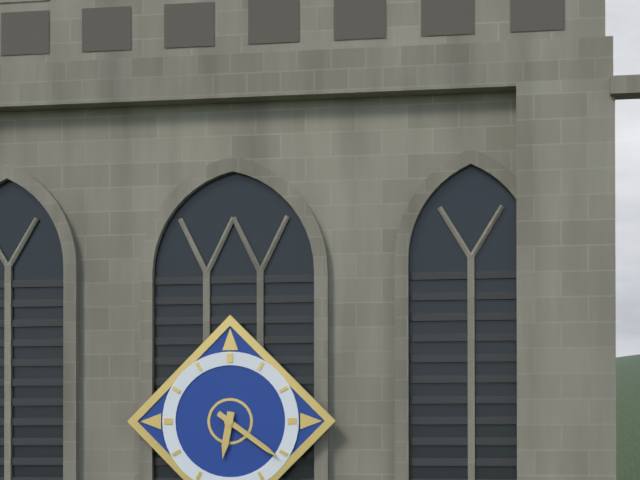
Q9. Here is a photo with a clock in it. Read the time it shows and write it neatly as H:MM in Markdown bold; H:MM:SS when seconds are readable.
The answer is **6:21**
